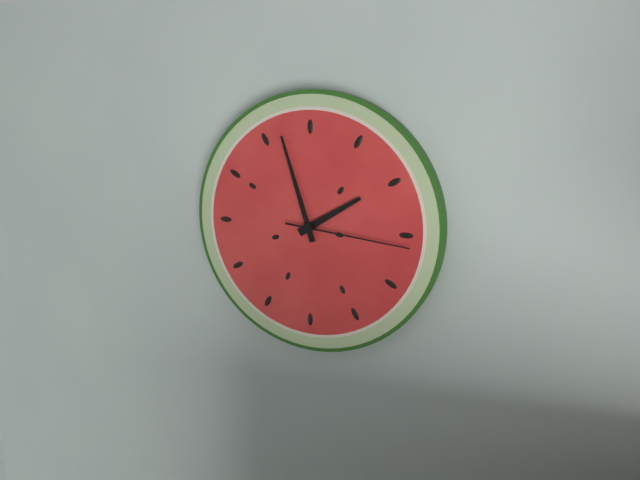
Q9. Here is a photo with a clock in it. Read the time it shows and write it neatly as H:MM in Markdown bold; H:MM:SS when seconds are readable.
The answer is **1:57:16**
